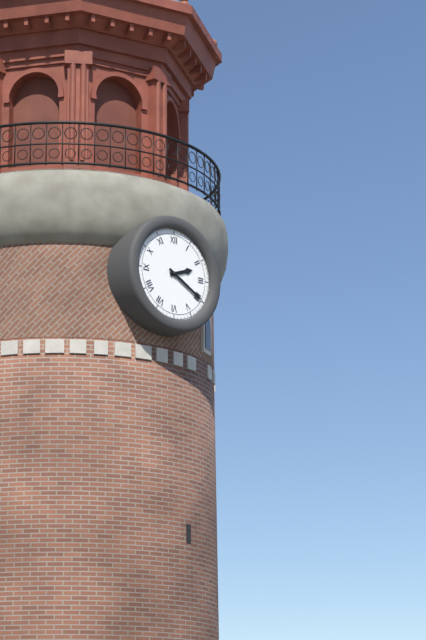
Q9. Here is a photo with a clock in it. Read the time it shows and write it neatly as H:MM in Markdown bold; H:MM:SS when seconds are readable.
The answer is **2:20**
